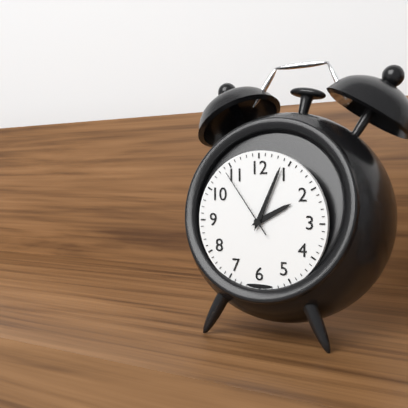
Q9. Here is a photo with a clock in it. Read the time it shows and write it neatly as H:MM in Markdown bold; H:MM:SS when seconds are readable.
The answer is **2:04:54**
